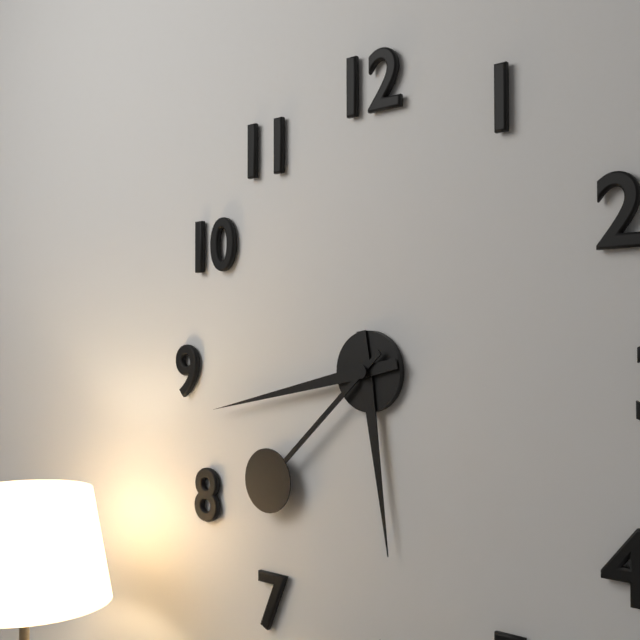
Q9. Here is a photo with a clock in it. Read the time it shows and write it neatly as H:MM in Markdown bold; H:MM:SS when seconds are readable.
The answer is **5:43:38**
